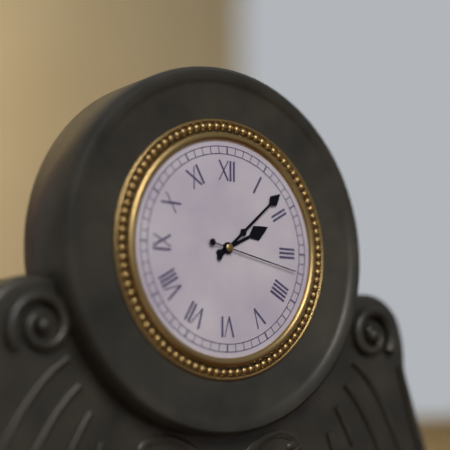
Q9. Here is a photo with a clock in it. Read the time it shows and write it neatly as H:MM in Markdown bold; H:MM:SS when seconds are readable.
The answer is **2:08:17**
